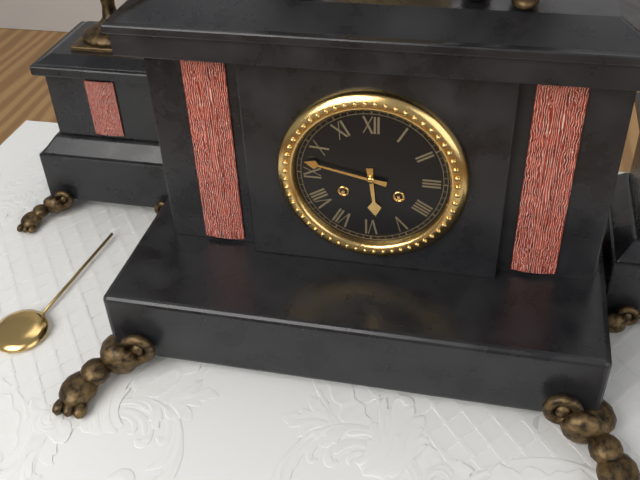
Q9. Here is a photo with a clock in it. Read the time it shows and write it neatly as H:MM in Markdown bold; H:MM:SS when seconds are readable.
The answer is **5:47**
